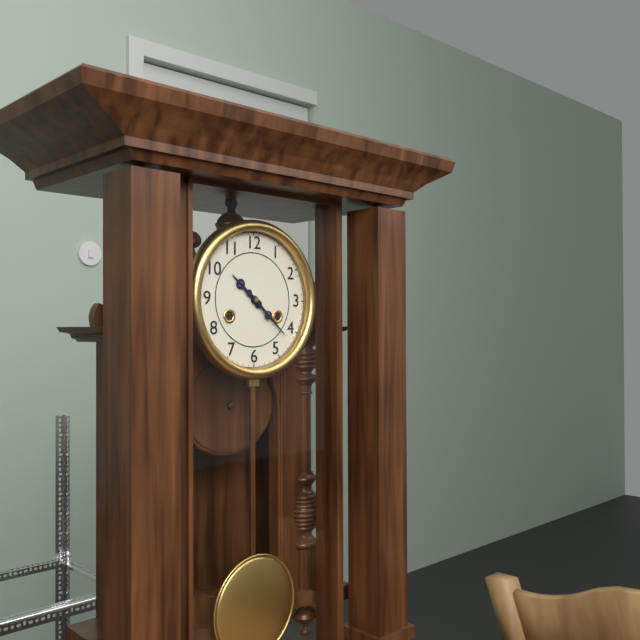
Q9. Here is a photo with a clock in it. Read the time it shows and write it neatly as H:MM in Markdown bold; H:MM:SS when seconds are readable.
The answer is **10:22**
